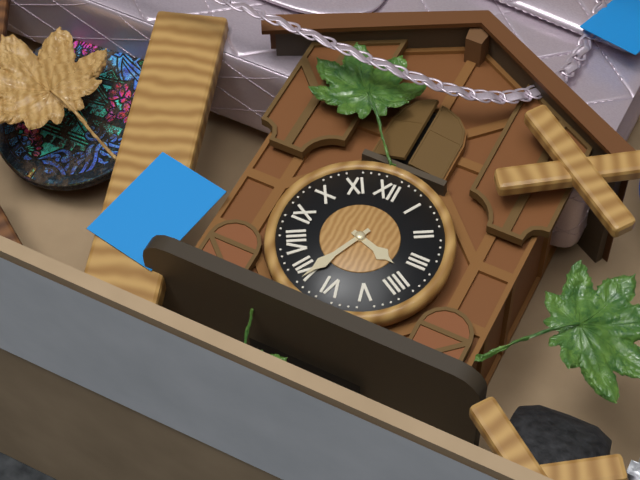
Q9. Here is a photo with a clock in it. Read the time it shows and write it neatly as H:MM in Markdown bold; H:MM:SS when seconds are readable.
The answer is **3:34**
